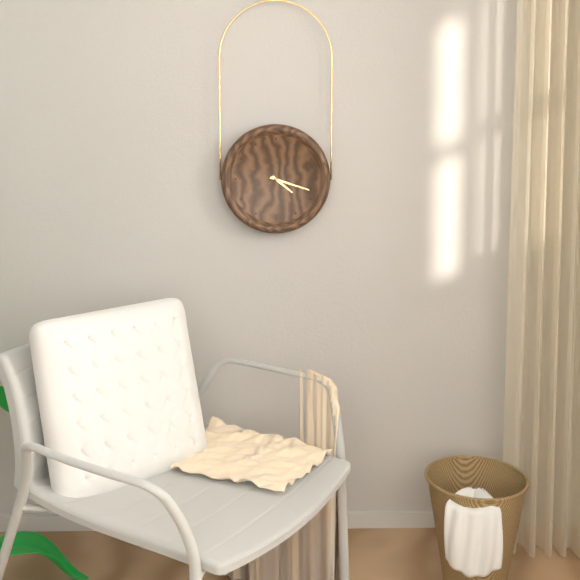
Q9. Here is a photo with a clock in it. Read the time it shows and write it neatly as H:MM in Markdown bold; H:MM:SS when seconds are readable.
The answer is **4:18**
